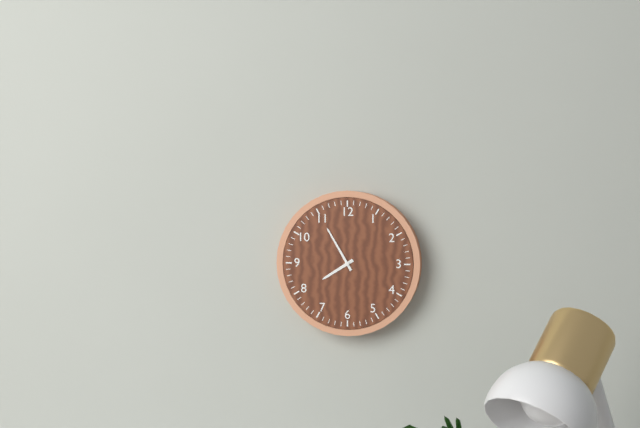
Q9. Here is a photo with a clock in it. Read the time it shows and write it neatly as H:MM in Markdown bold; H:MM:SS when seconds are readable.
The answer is **7:55**
